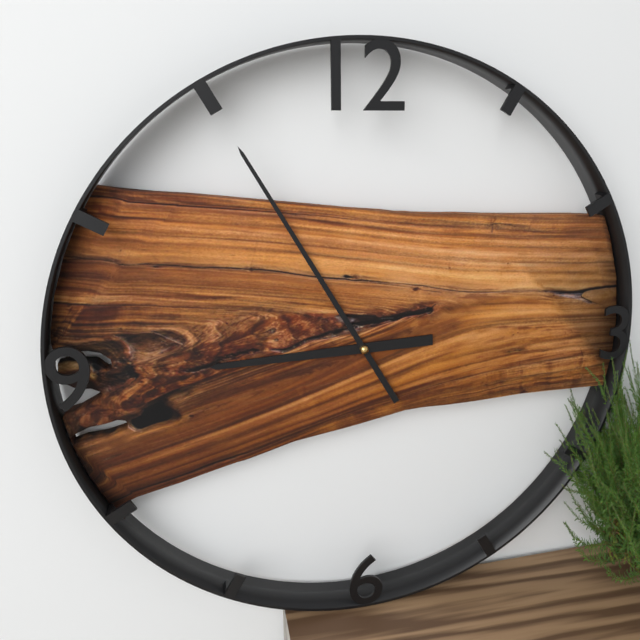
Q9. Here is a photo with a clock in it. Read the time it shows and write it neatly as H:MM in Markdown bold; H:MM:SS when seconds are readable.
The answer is **8:55**
